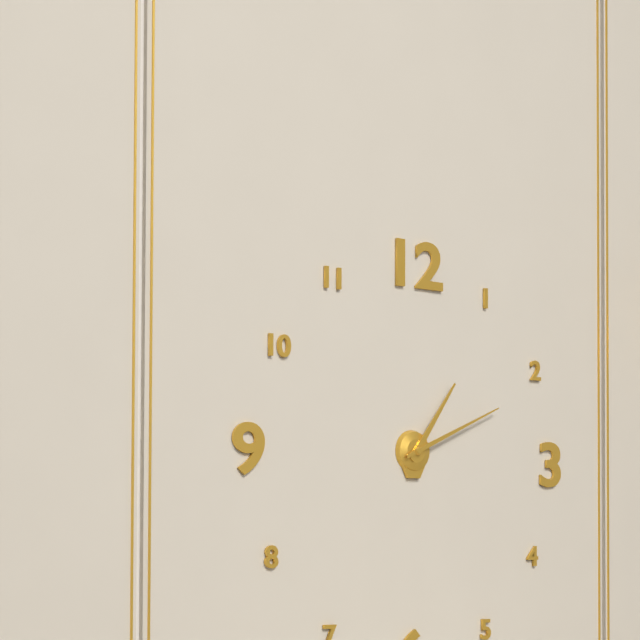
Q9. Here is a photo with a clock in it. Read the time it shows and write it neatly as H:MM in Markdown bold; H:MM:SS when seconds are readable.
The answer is **1:11**
